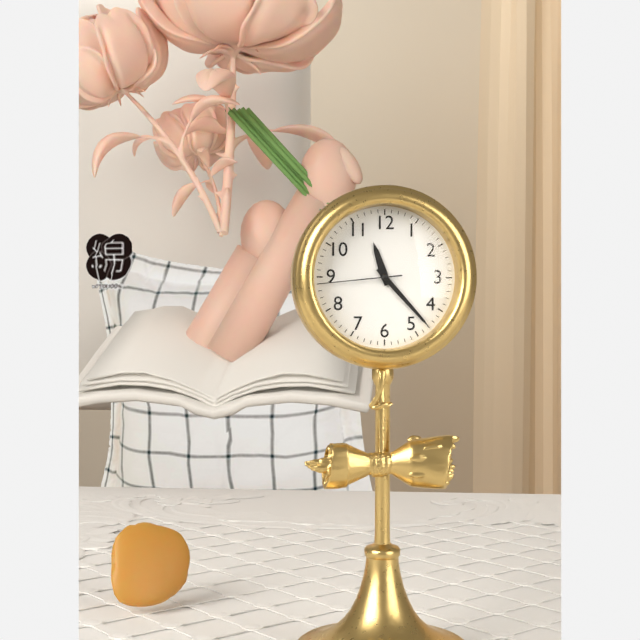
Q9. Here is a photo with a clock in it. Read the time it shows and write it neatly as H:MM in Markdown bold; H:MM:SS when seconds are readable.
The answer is **11:23:44**
